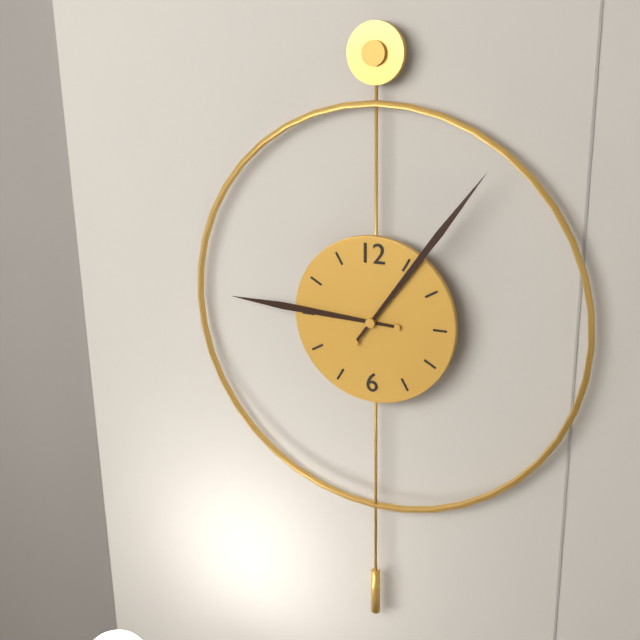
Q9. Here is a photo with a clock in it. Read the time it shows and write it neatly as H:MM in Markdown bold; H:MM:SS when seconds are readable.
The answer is **9:06**
